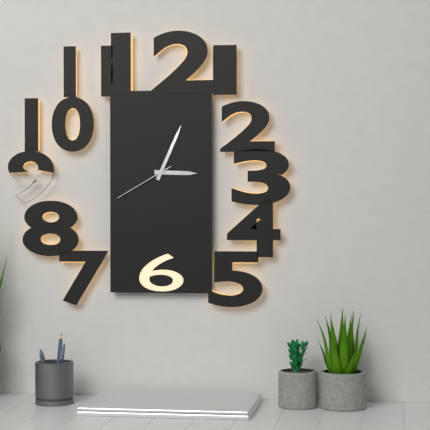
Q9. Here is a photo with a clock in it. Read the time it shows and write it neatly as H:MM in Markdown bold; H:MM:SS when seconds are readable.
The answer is **3:04:40**
